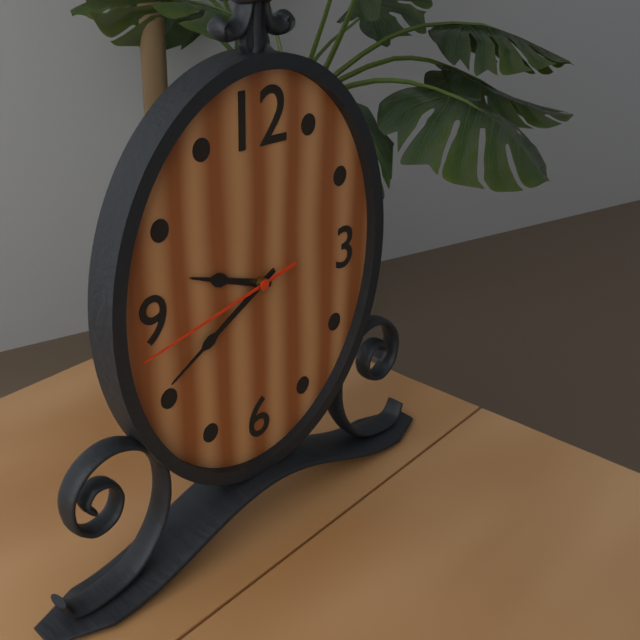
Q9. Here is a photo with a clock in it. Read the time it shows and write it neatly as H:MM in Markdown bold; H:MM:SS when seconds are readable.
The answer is **9:40:43**
